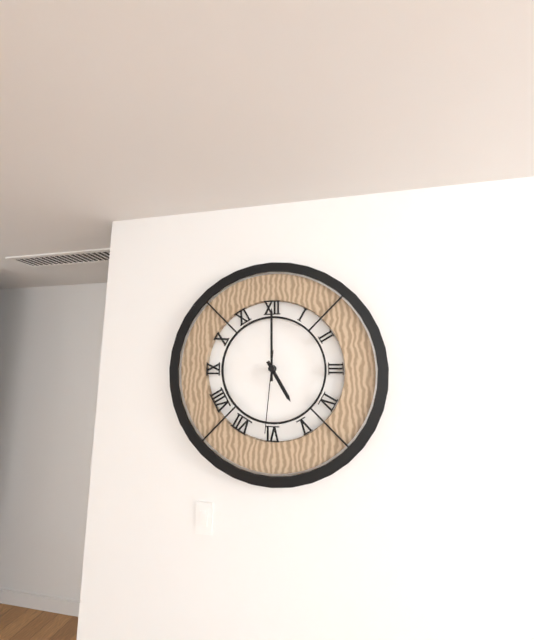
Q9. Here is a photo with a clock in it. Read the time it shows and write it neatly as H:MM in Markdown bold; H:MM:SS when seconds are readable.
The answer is **5:00:31**
